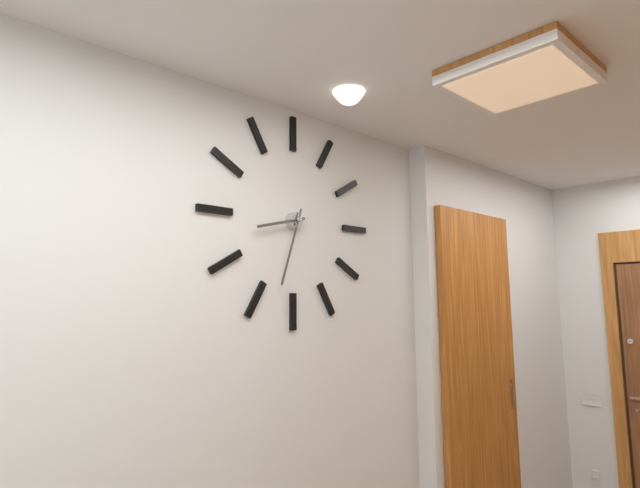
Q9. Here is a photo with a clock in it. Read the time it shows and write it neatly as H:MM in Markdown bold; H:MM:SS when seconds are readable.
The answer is **8:33**
